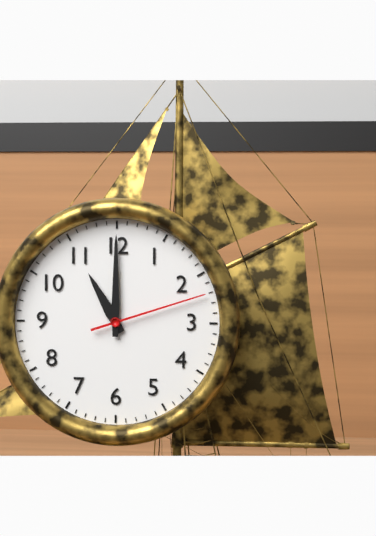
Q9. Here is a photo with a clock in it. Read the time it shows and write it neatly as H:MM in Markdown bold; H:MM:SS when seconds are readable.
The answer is **11:00:12**
